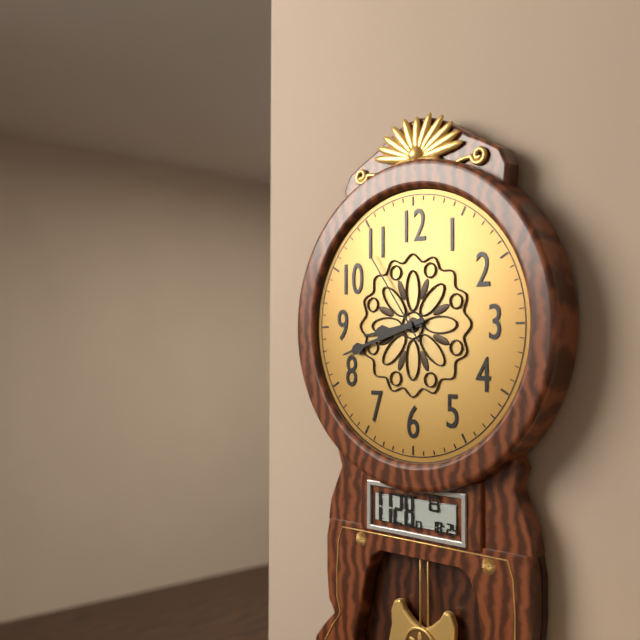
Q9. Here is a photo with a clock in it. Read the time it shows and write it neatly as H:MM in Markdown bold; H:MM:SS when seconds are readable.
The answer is **8:42:54**
